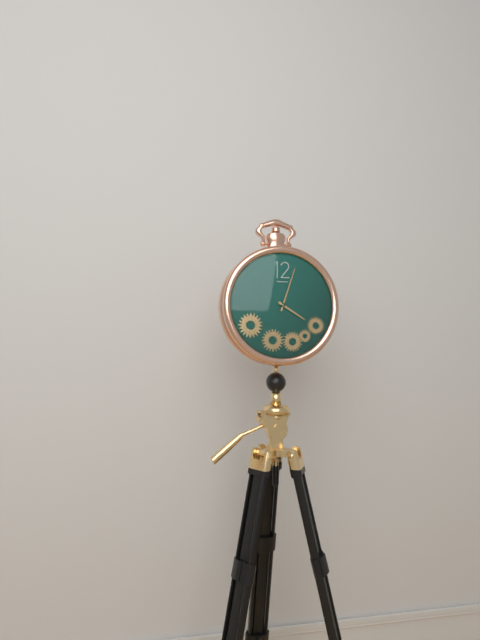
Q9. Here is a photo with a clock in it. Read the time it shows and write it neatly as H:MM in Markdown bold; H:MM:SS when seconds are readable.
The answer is **4:03**
